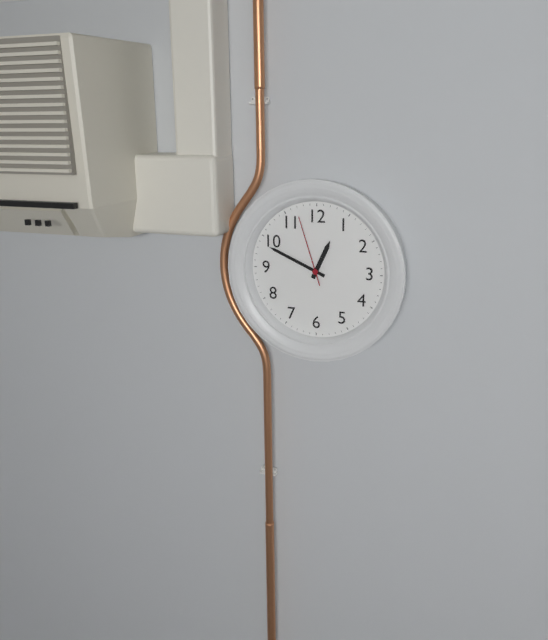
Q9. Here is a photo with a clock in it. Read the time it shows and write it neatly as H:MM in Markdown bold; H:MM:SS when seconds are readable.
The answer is **12:49:57**
